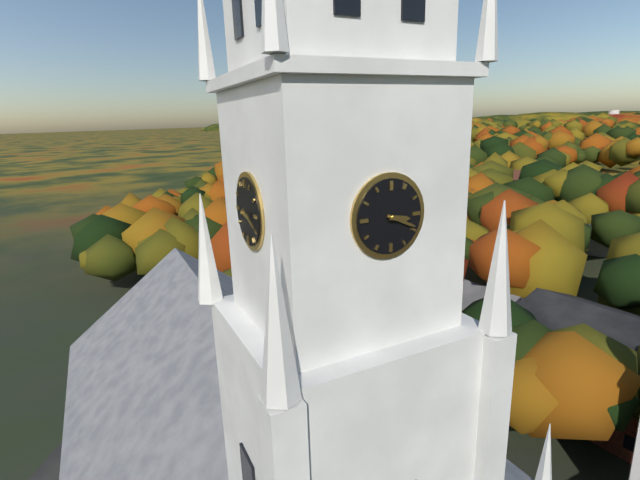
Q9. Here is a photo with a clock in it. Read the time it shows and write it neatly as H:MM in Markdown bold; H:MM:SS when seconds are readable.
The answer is **3:19**
